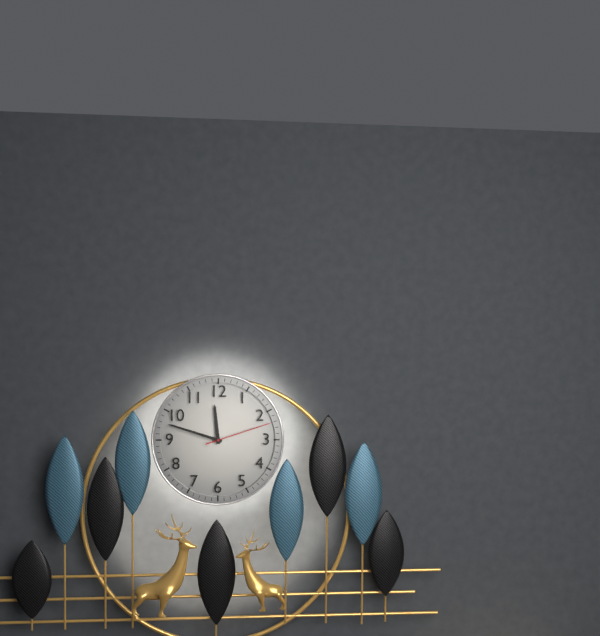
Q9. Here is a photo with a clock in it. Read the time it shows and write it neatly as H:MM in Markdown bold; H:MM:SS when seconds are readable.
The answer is **11:48:12**
